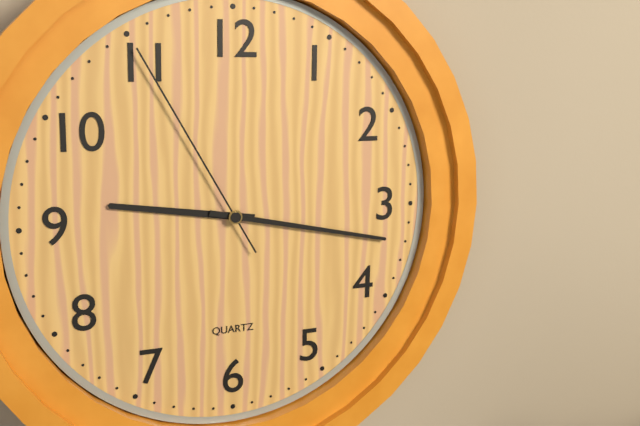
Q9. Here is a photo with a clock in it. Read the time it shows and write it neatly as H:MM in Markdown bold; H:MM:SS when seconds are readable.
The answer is **9:17:55**
